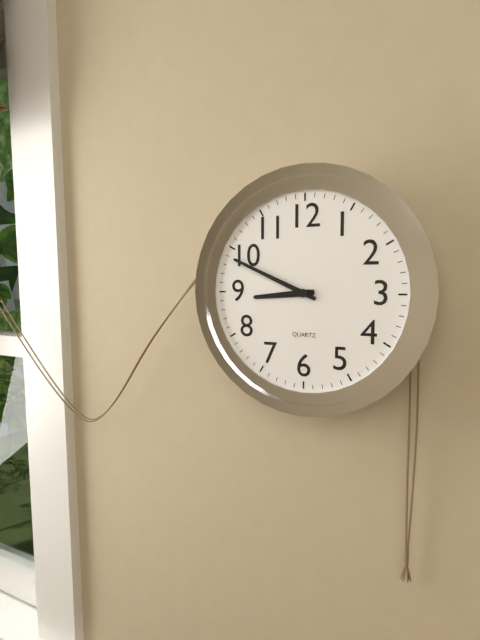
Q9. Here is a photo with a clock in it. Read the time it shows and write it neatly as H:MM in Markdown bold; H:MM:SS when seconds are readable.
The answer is **8:49**
